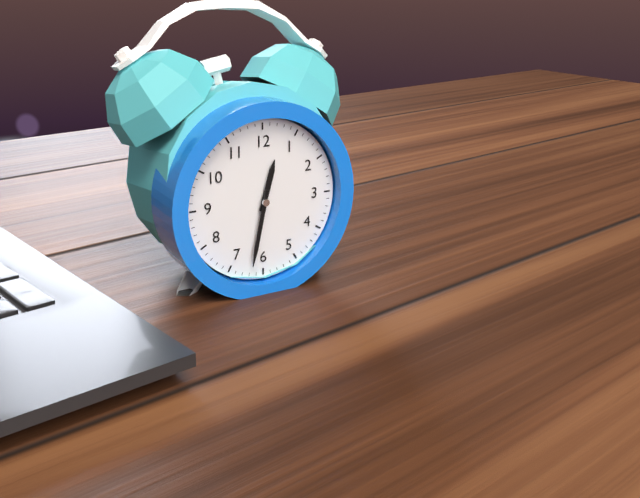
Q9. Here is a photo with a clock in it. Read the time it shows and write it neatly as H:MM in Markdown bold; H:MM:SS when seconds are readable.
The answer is **12:32**
